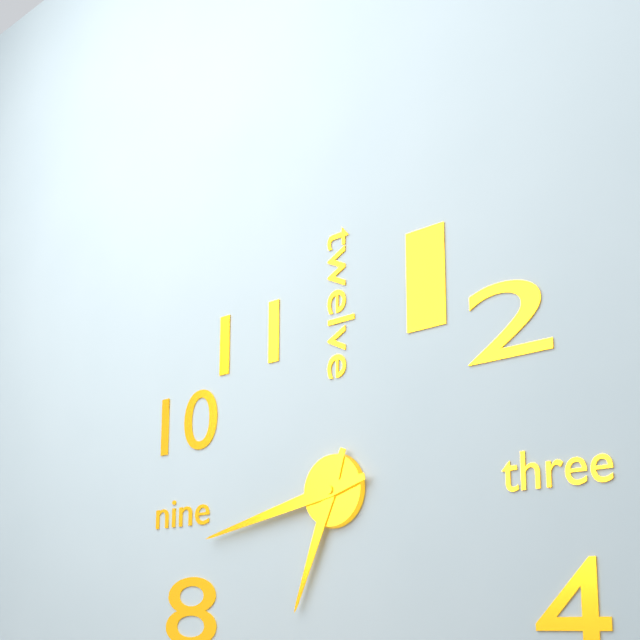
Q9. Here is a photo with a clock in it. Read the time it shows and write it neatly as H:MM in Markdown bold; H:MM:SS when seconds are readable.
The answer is **6:43**
